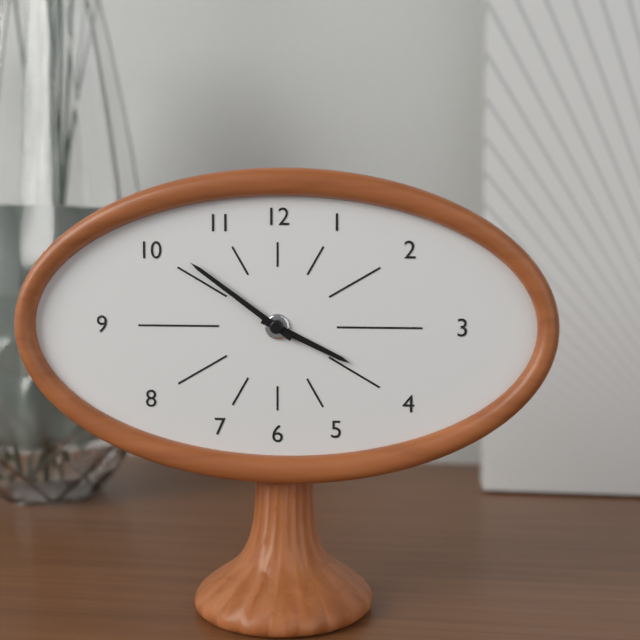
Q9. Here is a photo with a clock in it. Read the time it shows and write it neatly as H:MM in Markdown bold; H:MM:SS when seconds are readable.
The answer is **3:51**
